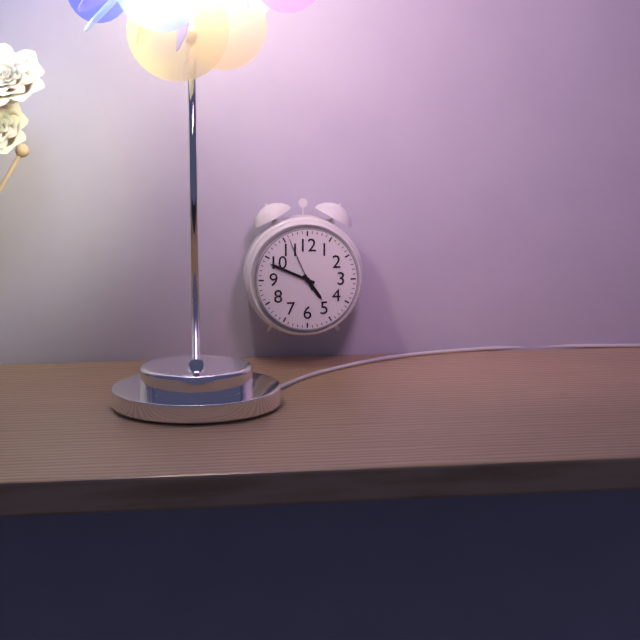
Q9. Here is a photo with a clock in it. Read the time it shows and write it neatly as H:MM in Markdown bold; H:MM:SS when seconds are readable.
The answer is **4:49:56**
